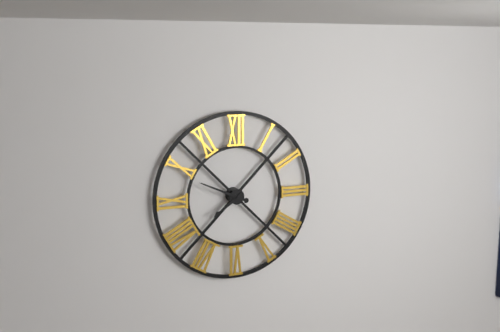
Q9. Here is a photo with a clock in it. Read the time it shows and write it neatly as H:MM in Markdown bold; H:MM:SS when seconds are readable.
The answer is **7:49**
